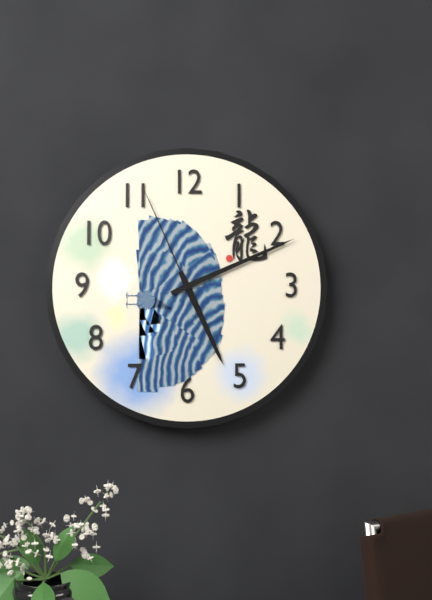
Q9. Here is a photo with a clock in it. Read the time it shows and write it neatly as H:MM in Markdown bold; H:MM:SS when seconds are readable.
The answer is **5:11:56**
